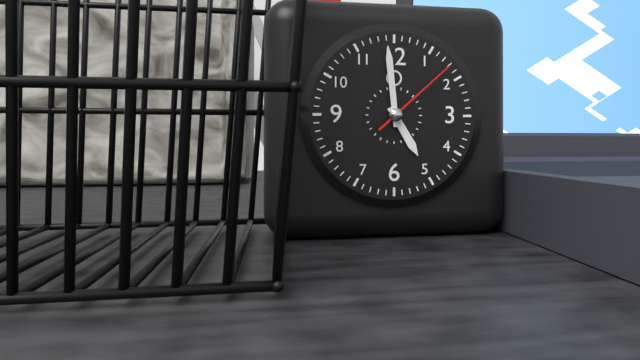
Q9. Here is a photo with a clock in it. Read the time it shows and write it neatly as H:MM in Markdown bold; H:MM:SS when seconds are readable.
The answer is **4:59:08**
